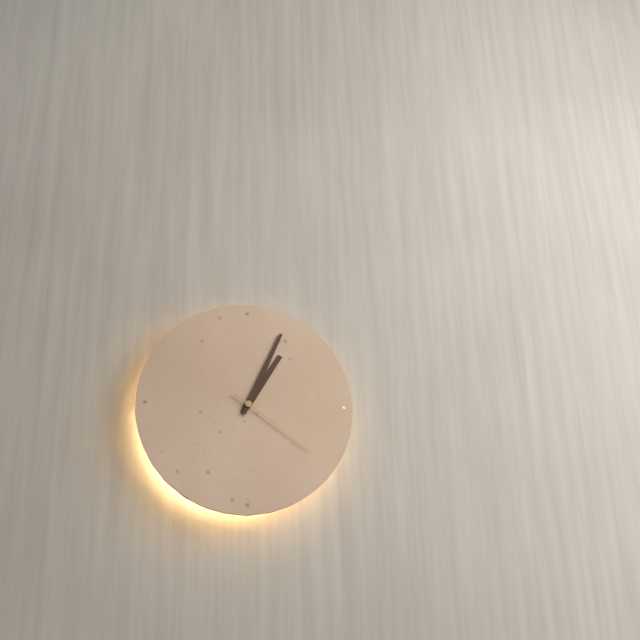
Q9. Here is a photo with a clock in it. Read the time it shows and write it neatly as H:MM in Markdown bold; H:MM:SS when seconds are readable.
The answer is **1:04:21**
